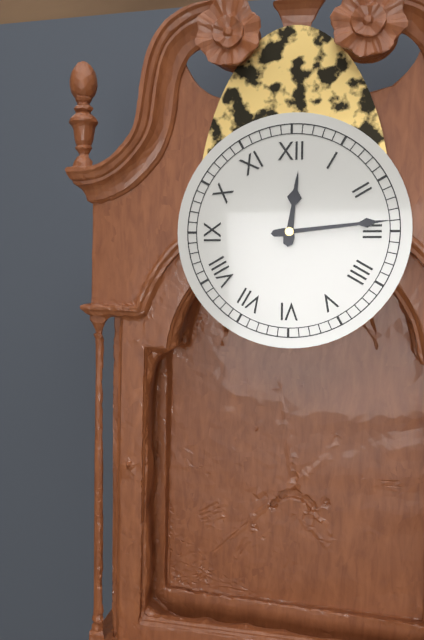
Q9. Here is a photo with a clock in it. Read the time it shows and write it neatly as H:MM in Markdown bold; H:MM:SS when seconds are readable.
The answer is **12:14**
